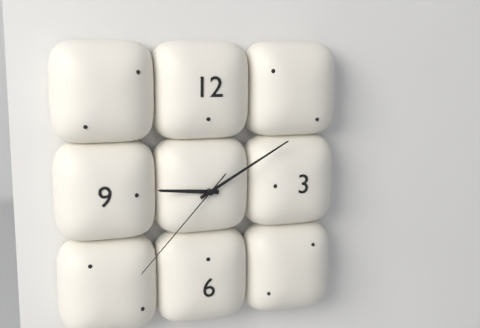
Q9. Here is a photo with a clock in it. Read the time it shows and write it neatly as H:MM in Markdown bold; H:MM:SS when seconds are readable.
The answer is **9:10:37**
